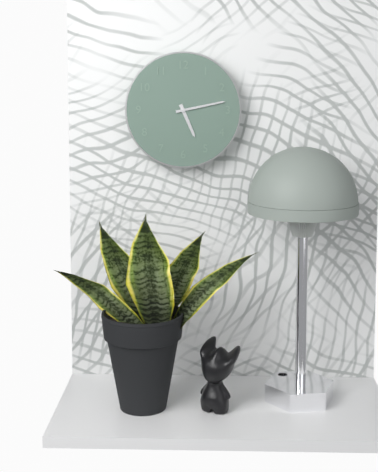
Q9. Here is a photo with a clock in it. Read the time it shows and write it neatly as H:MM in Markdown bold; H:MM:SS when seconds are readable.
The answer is **5:13**
